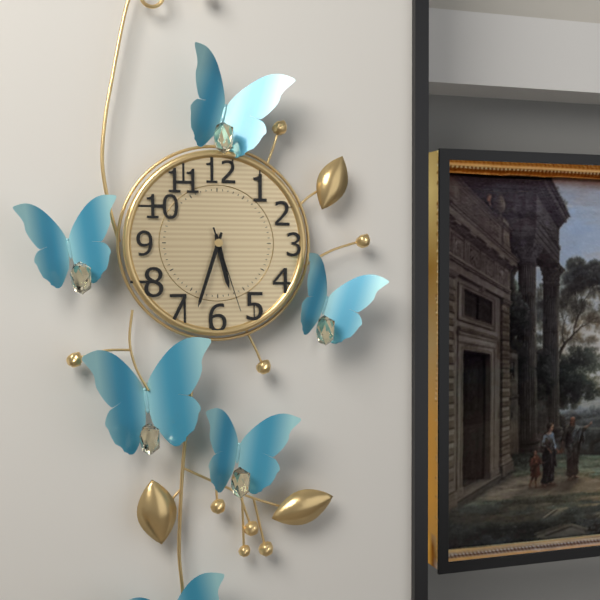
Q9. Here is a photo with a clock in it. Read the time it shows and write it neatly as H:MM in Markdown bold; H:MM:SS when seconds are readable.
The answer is **5:33:27**
